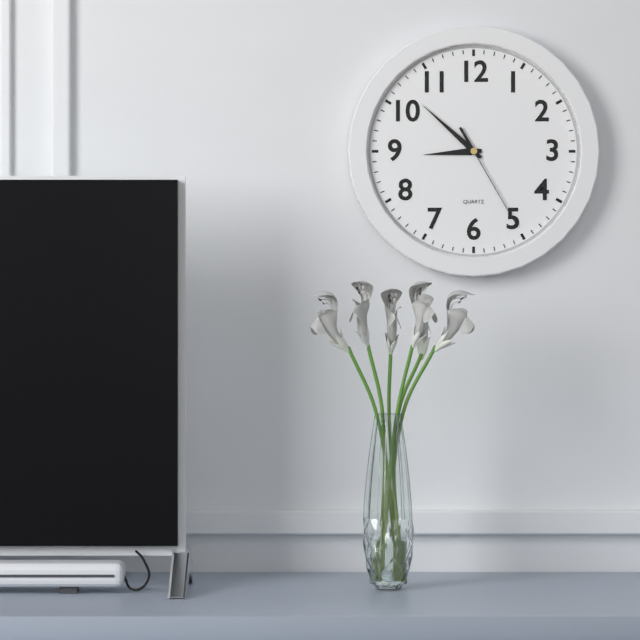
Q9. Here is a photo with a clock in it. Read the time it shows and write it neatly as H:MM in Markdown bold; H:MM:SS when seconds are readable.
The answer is **8:52:25**
